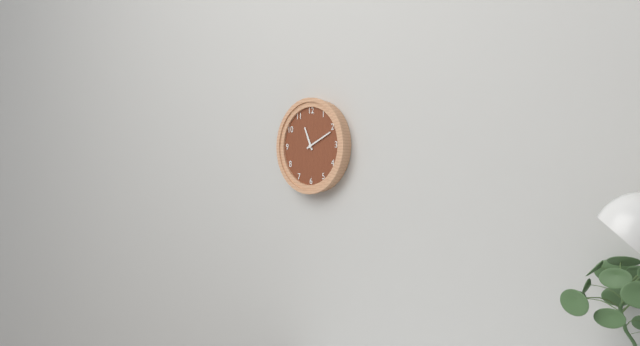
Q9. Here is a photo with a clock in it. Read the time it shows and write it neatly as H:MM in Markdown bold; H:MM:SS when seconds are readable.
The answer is **11:11**
